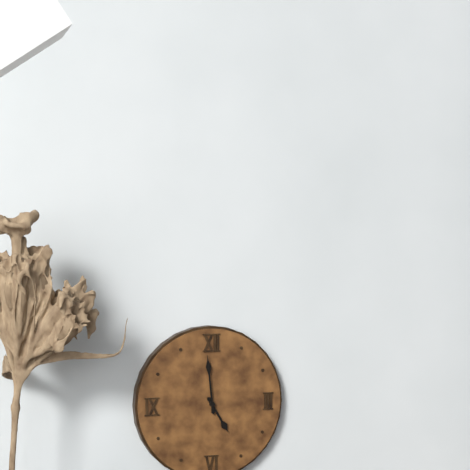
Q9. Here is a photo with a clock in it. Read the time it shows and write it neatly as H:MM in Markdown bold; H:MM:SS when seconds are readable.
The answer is **4:59**
